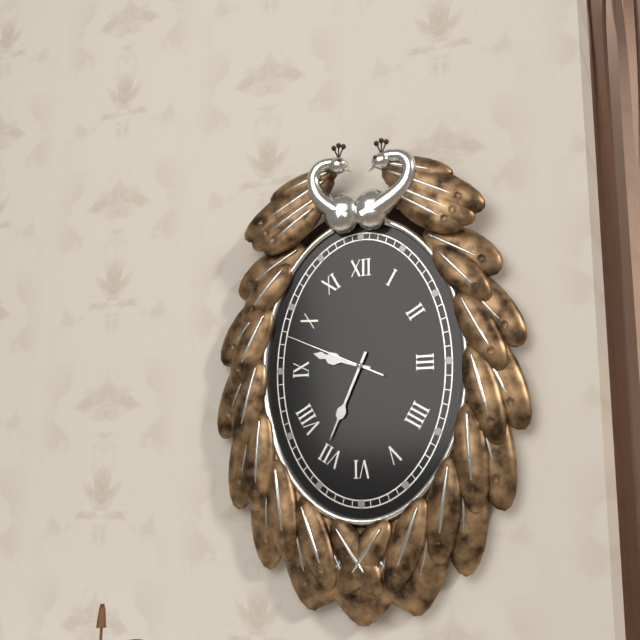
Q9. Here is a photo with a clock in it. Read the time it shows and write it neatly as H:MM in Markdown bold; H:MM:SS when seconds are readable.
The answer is **9:34:49**
